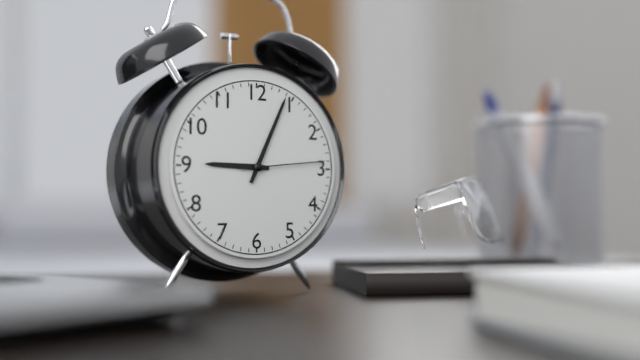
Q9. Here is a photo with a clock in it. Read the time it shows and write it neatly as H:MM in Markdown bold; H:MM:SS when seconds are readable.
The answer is **9:04:14**
